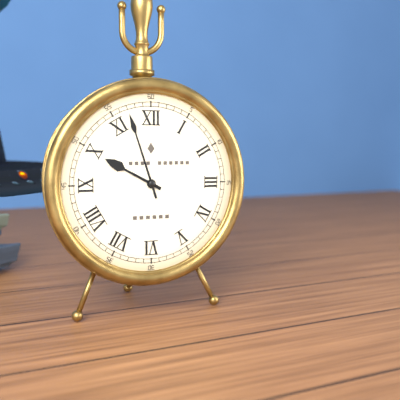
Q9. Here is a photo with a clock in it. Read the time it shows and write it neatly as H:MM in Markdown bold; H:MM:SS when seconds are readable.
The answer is **9:57**
